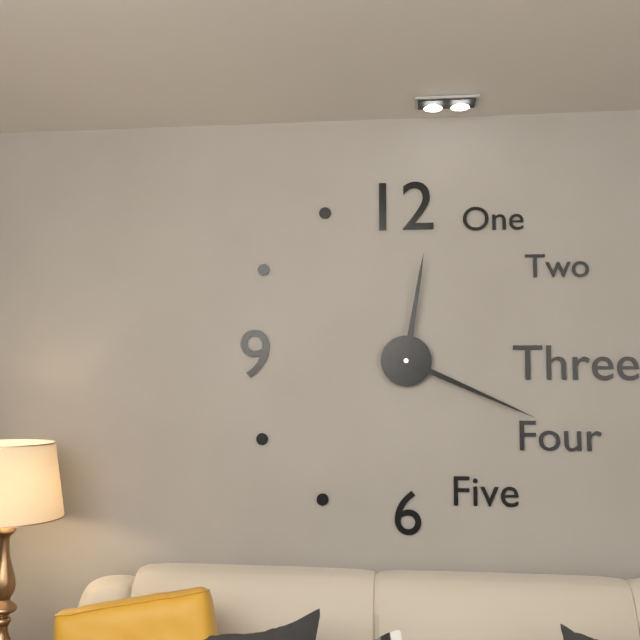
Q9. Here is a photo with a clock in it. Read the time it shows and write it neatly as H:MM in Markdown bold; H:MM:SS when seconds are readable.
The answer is **12:19**
